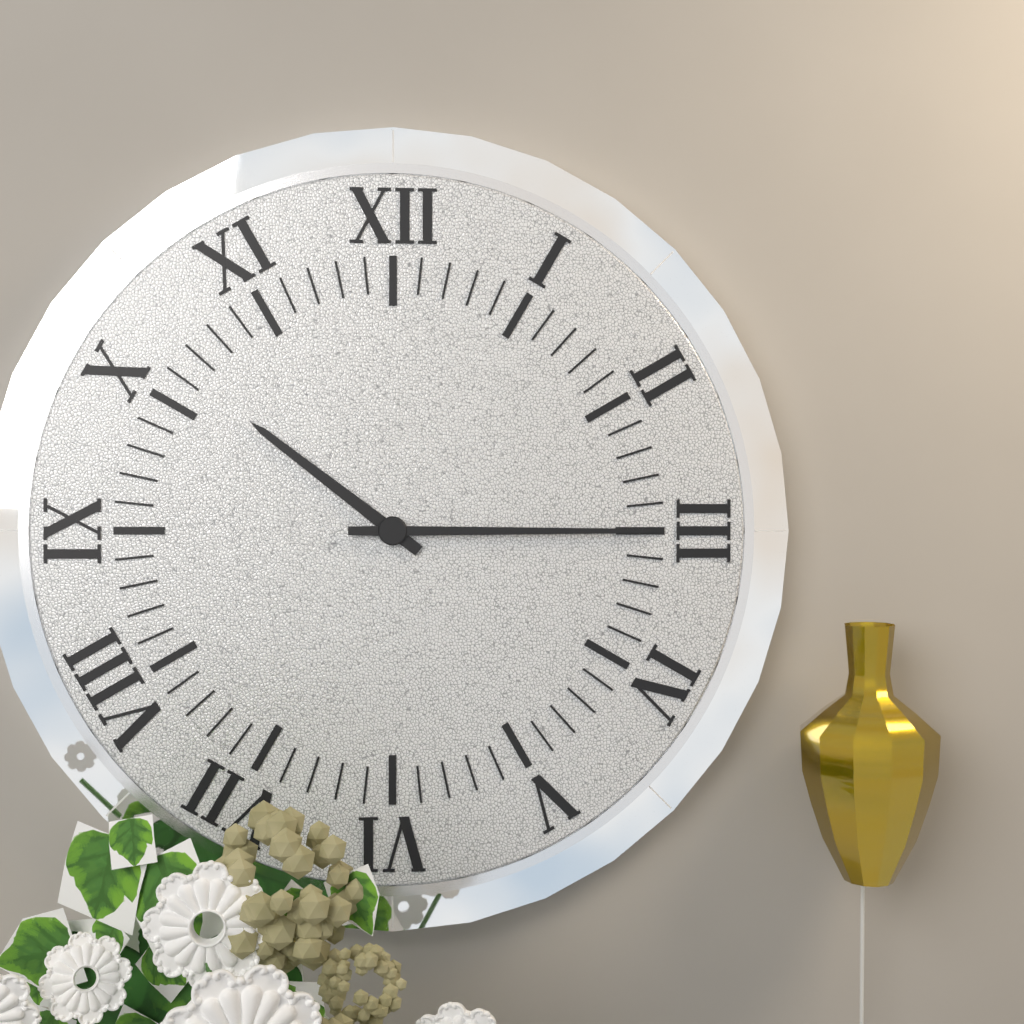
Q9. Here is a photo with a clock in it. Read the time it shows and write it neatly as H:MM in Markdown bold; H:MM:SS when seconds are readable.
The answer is **10:15**
